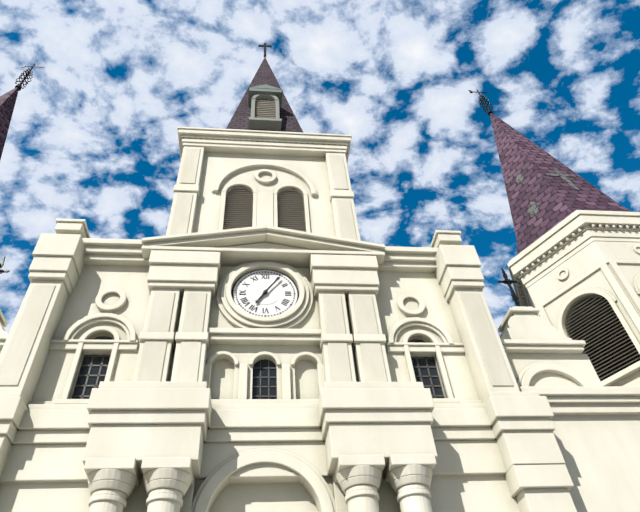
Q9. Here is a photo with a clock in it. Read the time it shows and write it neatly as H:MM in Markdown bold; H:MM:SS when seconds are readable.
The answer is **7:06**
